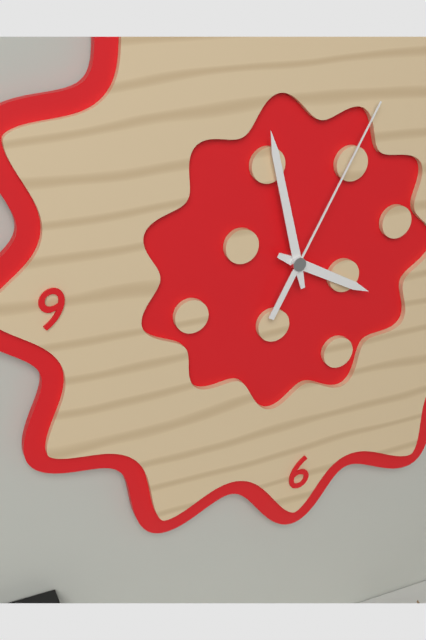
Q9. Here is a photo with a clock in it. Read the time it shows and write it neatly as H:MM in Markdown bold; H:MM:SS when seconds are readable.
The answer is **3:58:05**
